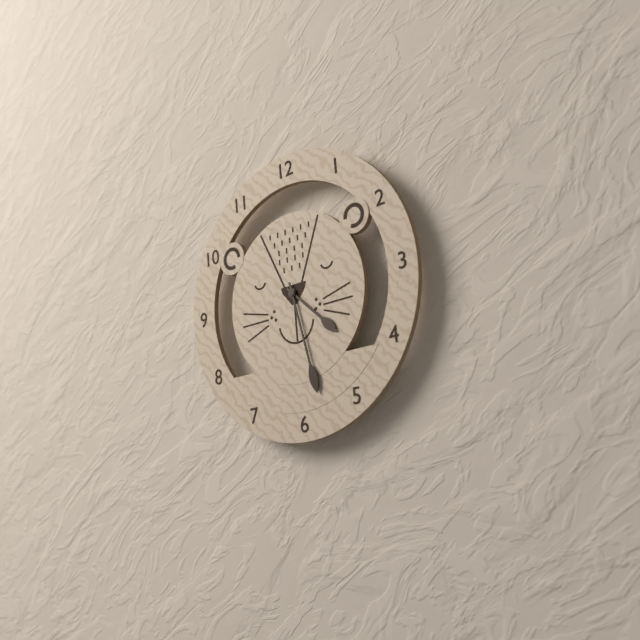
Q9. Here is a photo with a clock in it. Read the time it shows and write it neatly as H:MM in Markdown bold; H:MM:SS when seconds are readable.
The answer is **4:28**
